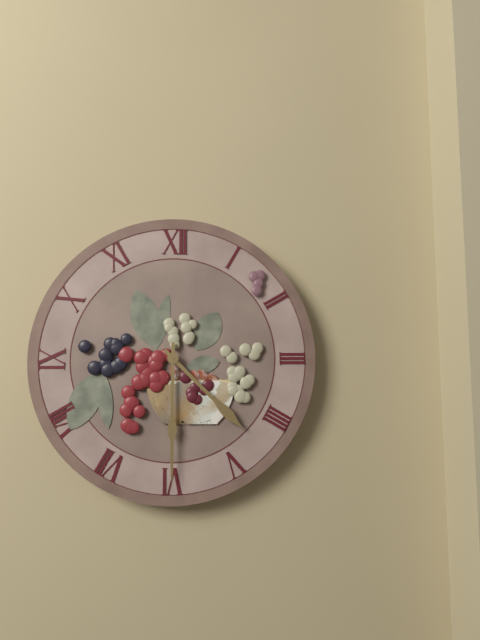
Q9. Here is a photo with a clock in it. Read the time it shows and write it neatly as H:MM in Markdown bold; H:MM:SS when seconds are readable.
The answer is **4:30**
